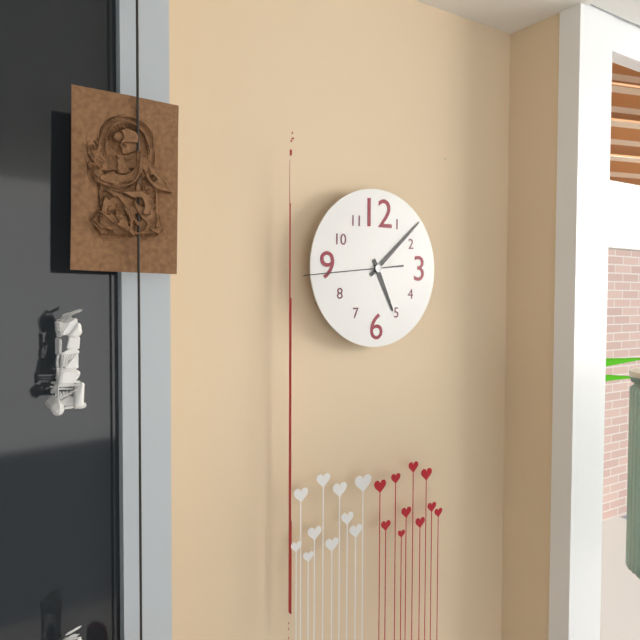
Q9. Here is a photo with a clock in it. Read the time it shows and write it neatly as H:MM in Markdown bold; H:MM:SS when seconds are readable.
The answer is **5:08:44**
